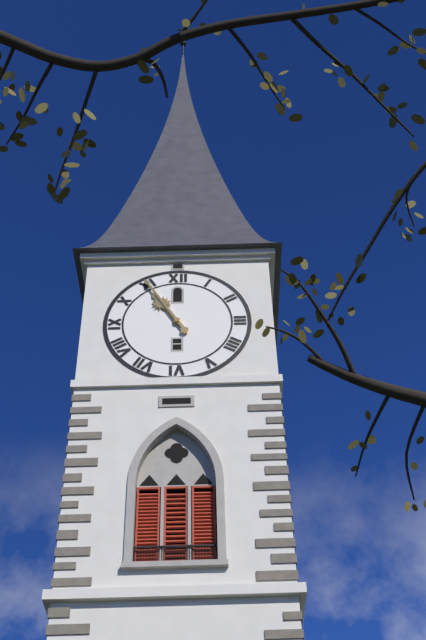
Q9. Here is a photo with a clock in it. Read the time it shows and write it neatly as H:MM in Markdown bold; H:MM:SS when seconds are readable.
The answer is **10:55**
